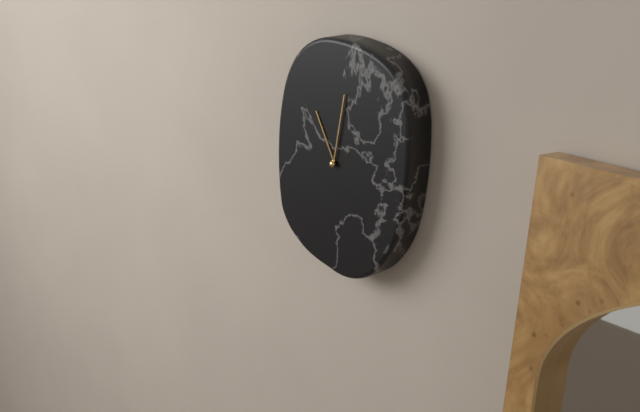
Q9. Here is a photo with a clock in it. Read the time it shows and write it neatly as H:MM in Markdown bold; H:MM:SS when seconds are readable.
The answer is **11:02**
